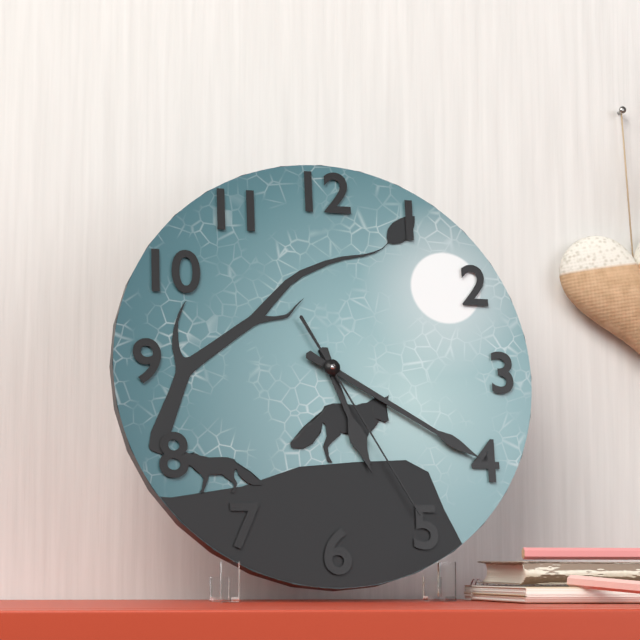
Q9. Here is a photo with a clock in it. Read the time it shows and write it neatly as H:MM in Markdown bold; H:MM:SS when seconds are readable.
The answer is **5:20:25**
